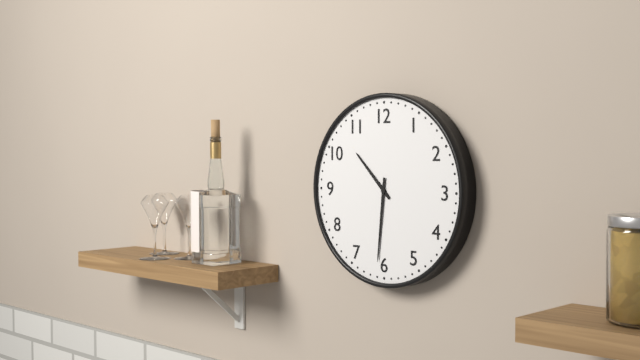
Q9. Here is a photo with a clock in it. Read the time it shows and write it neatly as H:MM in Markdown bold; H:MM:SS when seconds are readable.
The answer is **10:31**
